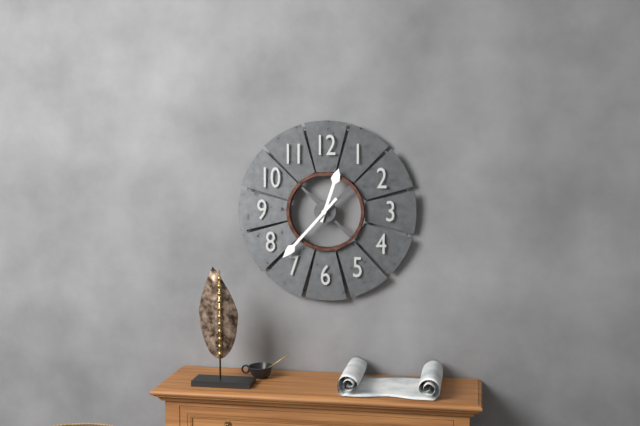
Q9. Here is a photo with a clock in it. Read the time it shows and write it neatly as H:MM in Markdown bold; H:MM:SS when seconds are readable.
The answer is **12:37**
